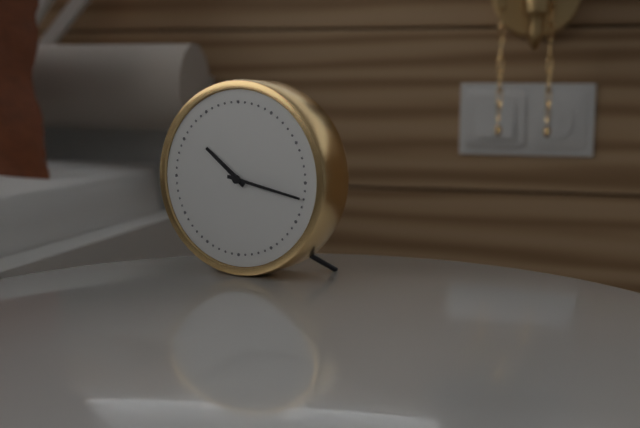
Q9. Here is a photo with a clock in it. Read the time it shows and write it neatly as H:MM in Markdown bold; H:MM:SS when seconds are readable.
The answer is **10:17**
